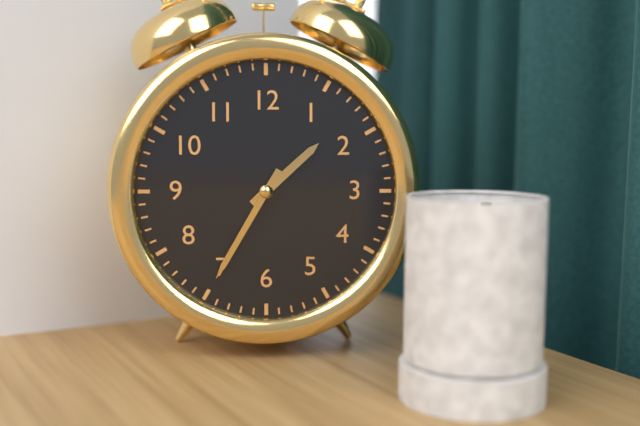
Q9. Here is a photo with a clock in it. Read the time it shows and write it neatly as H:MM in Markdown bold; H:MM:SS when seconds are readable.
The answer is **1:35**
